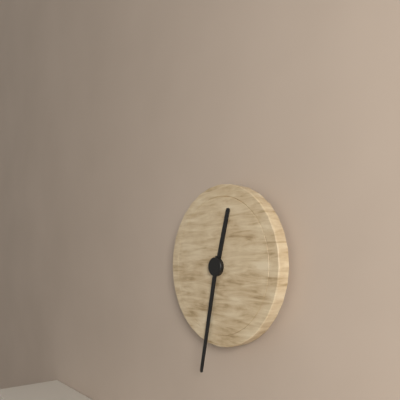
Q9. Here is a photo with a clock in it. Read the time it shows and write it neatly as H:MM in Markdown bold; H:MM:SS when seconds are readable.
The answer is **12:32**
